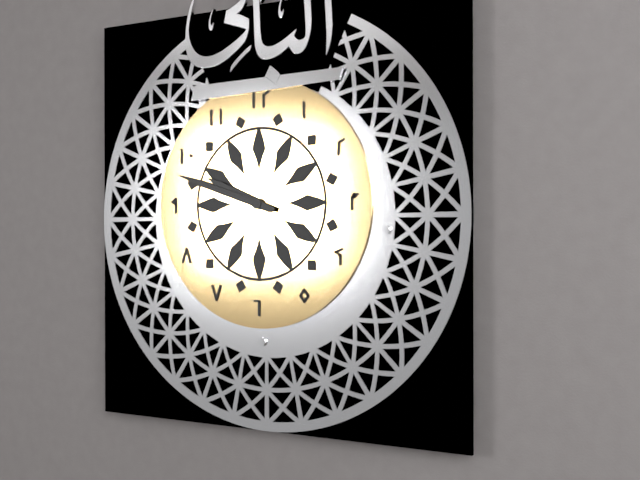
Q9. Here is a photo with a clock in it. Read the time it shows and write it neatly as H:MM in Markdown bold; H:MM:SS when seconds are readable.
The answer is **9:48**
